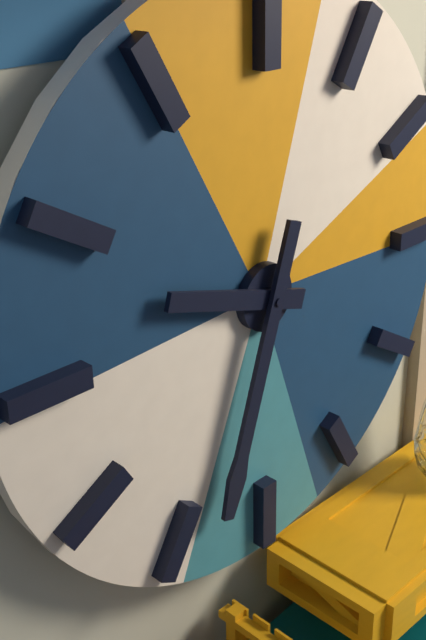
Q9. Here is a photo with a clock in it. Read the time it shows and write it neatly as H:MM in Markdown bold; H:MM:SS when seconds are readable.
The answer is **9:33**
